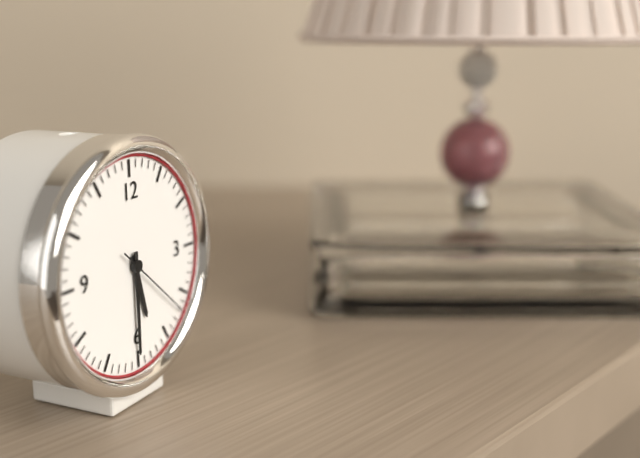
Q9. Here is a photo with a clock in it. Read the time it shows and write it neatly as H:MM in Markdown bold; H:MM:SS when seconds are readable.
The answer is **5:30:22**
